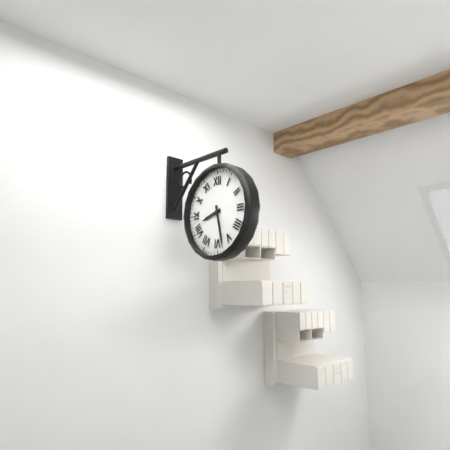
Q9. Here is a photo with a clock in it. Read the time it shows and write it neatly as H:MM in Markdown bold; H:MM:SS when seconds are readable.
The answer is **8:28**
